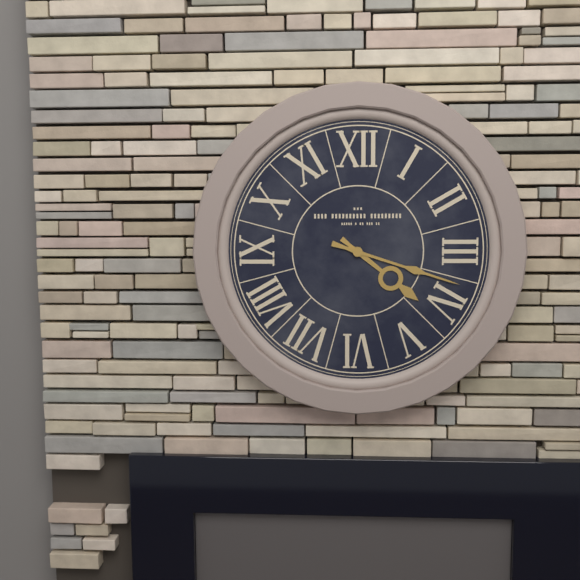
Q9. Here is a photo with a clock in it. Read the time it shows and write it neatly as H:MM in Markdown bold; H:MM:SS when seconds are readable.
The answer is **4:18**
